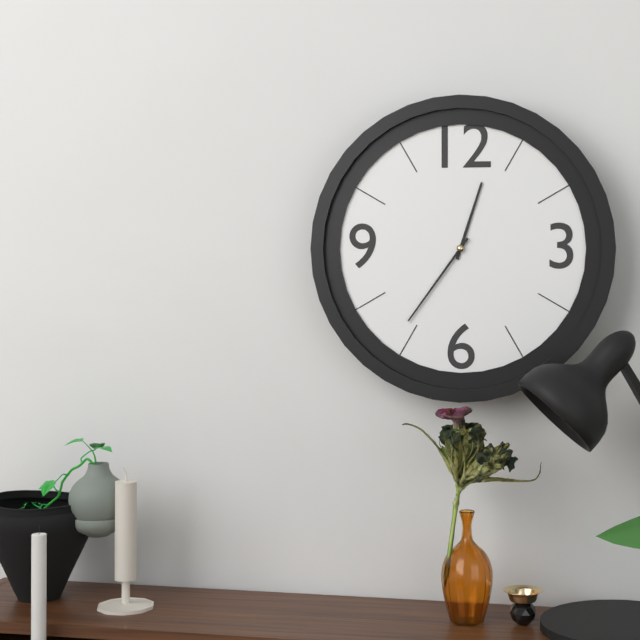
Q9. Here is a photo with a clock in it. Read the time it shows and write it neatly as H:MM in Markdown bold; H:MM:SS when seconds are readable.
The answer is **12:36**
